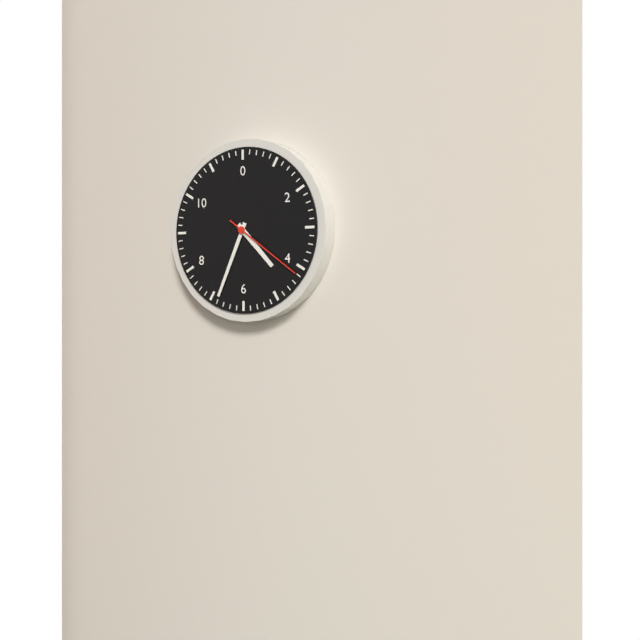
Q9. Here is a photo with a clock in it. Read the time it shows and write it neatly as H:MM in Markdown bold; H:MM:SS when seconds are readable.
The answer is **4:34:21**
